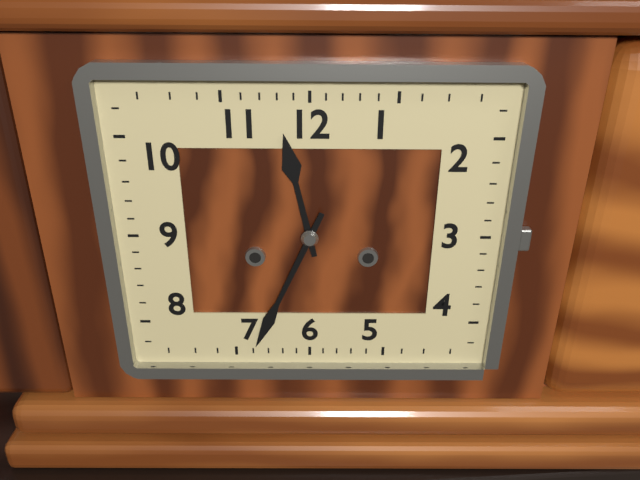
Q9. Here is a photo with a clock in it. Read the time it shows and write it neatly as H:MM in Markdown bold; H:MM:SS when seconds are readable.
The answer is **11:34**
